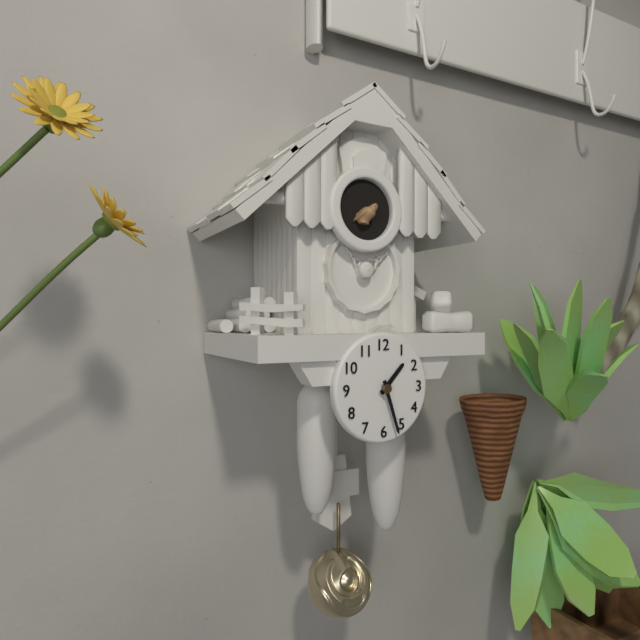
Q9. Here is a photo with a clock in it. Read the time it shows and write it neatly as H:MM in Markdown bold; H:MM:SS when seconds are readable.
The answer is **1:27**
